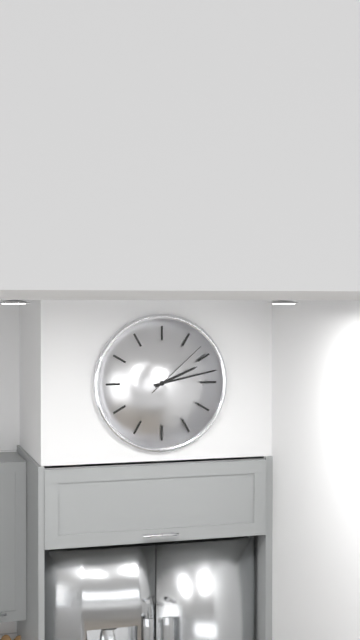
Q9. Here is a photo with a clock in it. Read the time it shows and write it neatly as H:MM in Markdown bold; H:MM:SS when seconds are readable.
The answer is **2:13:08**
